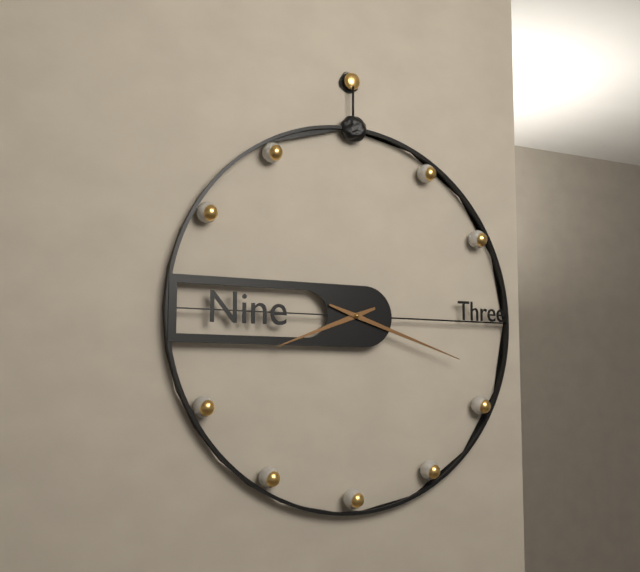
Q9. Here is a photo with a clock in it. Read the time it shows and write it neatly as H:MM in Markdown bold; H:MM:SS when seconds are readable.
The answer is **8:18**
